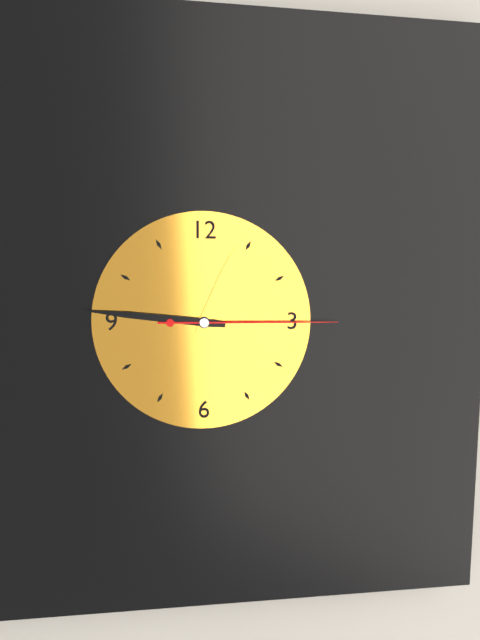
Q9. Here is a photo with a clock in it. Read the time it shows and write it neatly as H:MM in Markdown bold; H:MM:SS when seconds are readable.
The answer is **12:46:15**
